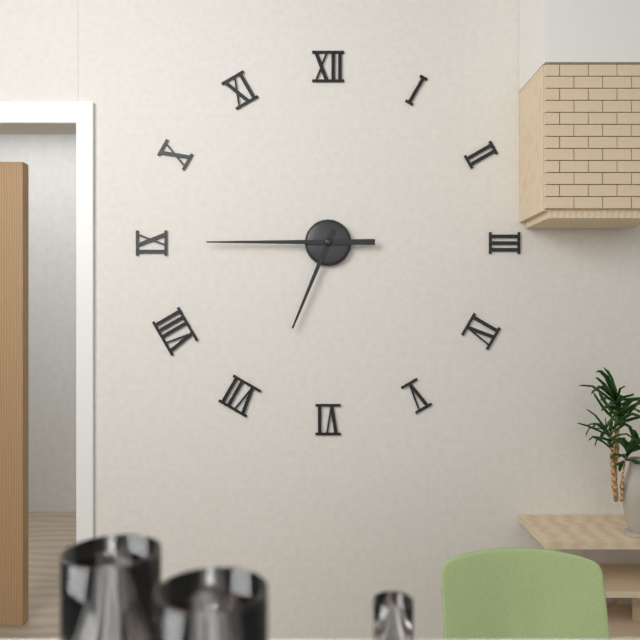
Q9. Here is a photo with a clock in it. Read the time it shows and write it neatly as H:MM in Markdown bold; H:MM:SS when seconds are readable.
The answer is **6:45**
